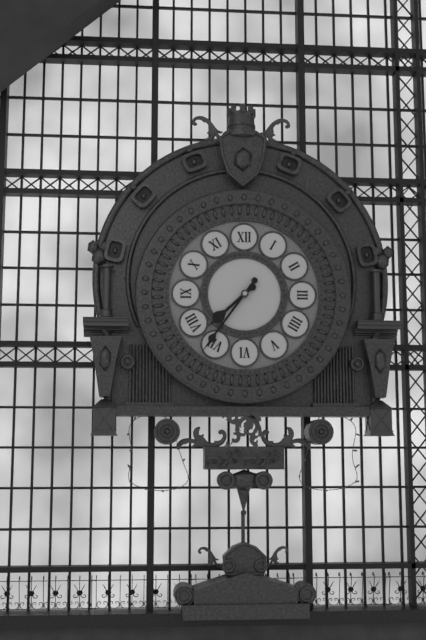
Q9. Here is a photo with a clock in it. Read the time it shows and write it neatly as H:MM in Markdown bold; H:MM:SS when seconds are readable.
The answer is **7:36**
